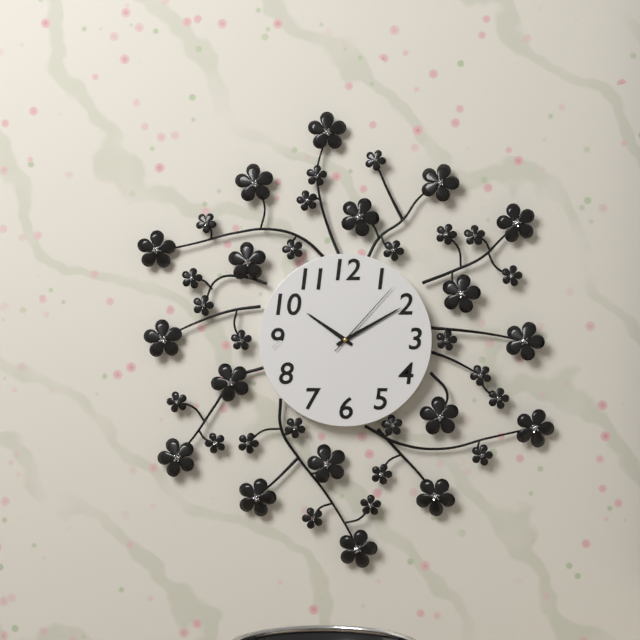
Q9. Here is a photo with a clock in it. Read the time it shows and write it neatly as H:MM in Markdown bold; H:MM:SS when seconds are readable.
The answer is **10:10:07**
